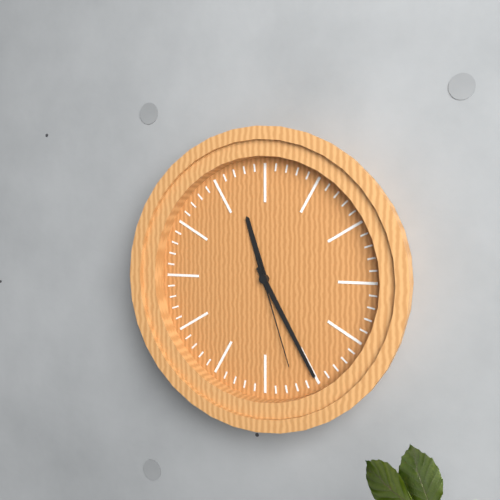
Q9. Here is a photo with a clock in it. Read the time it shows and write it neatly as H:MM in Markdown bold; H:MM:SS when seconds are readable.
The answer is **11:25:27**
